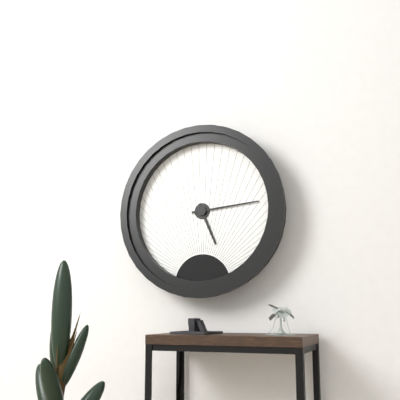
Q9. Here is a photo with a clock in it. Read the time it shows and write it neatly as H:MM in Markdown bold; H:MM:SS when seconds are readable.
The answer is **5:14**
